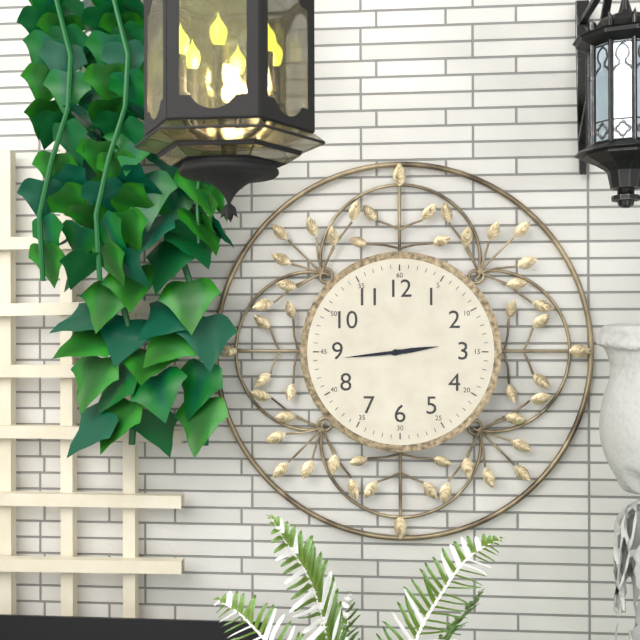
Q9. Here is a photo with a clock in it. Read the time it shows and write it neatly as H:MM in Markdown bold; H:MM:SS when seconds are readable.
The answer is **2:44**
